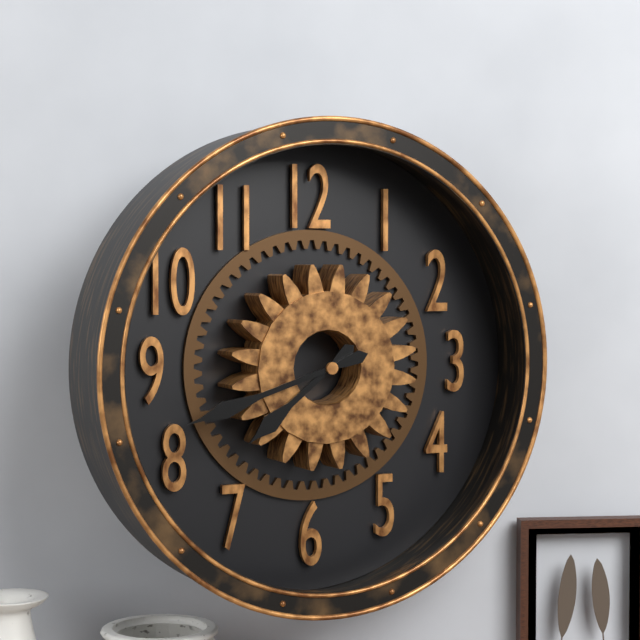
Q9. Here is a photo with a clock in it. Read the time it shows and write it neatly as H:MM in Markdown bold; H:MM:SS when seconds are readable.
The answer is **7:42**
